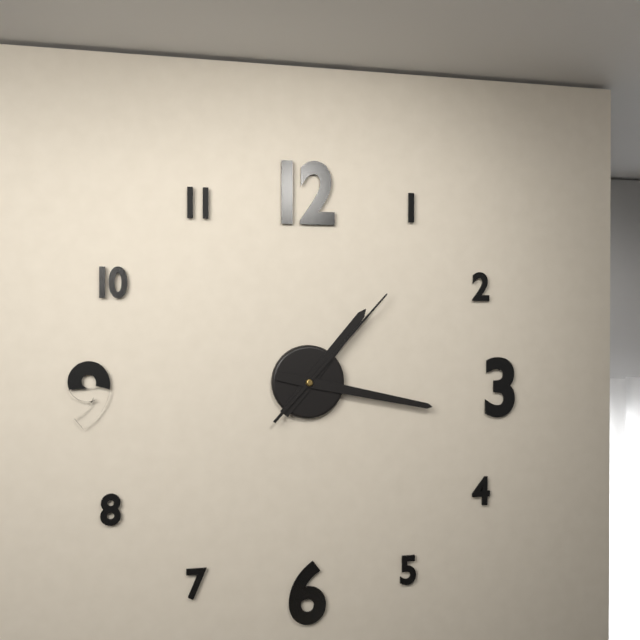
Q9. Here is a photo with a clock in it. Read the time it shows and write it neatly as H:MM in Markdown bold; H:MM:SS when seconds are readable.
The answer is **1:17:07**
